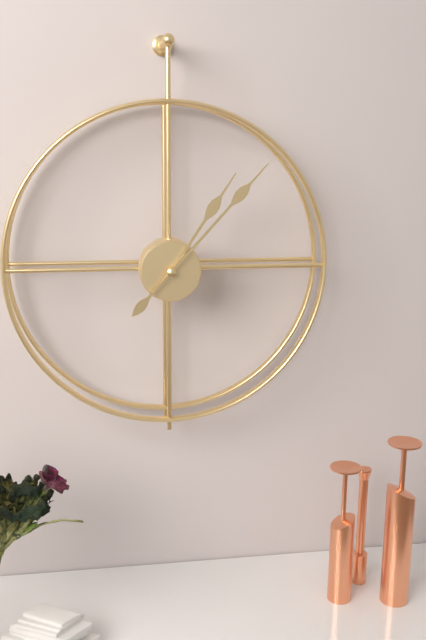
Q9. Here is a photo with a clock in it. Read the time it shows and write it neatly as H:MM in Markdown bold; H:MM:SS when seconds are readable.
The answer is **1:07**
